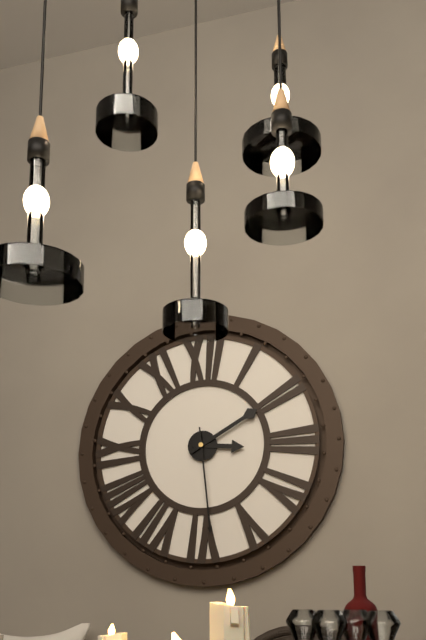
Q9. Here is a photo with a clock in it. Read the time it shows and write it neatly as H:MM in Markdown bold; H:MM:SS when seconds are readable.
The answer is **3:10:29**
